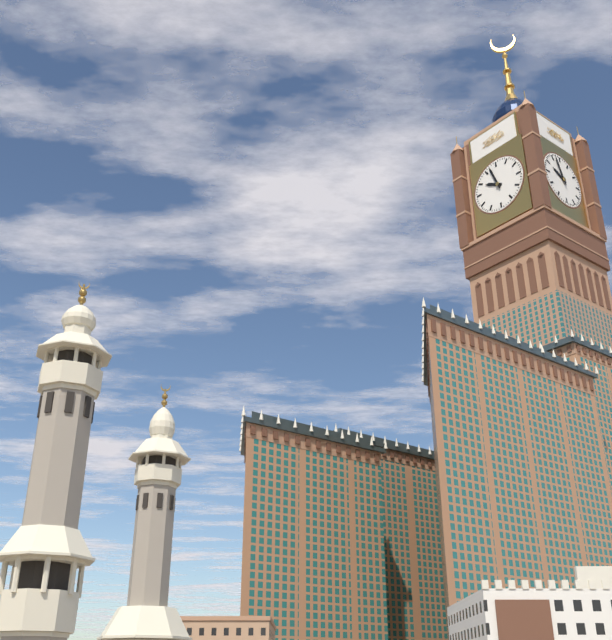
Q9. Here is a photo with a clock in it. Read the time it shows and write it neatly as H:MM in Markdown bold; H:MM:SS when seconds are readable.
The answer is **9:57**
